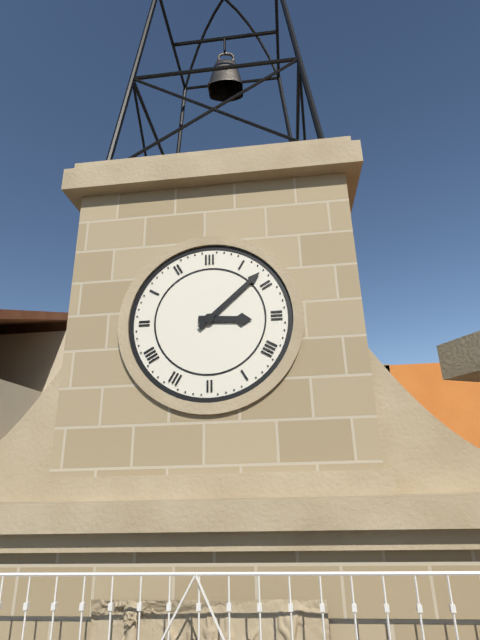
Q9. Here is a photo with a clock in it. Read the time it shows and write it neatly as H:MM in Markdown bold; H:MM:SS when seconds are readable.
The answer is **3:08**
